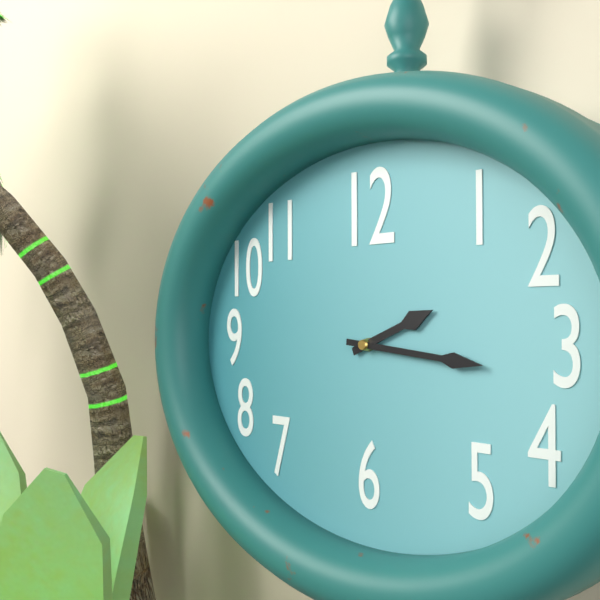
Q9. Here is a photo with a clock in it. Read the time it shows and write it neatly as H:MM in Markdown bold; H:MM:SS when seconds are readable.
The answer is **2:16**
